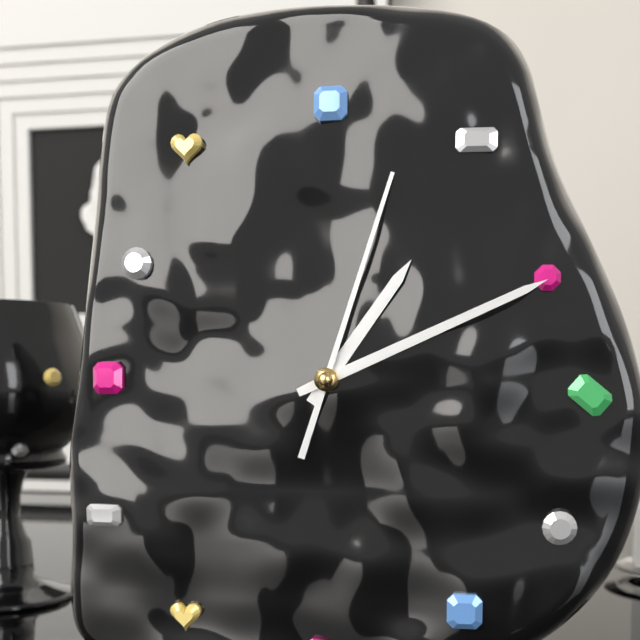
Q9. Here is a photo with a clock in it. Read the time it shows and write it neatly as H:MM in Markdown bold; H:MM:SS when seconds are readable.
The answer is **1:11:03**
